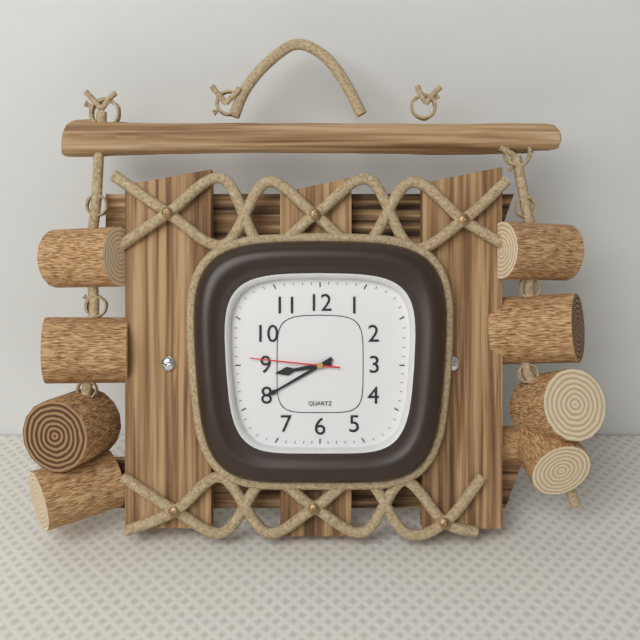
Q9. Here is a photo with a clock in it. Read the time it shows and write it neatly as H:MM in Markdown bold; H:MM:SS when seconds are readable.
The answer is **8:40:46**
